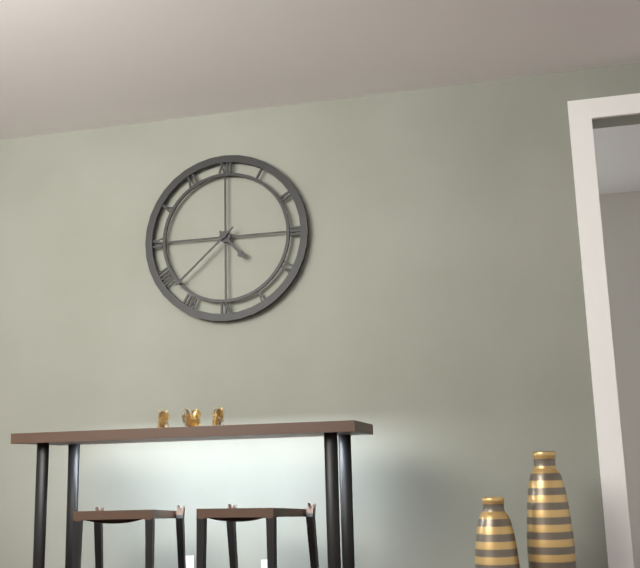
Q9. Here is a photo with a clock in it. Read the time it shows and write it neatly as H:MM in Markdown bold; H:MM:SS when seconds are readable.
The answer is **4:38**
